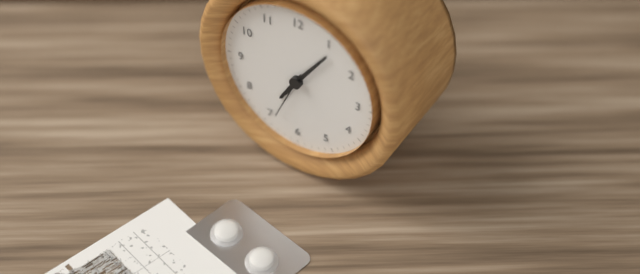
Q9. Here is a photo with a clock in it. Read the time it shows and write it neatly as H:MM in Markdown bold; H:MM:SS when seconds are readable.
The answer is **7:06**
